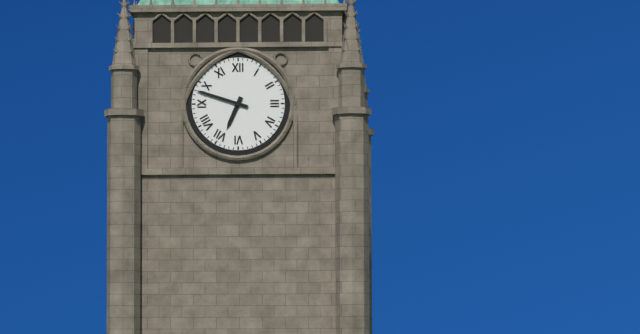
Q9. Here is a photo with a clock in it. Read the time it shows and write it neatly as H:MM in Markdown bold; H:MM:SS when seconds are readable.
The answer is **6:48**
